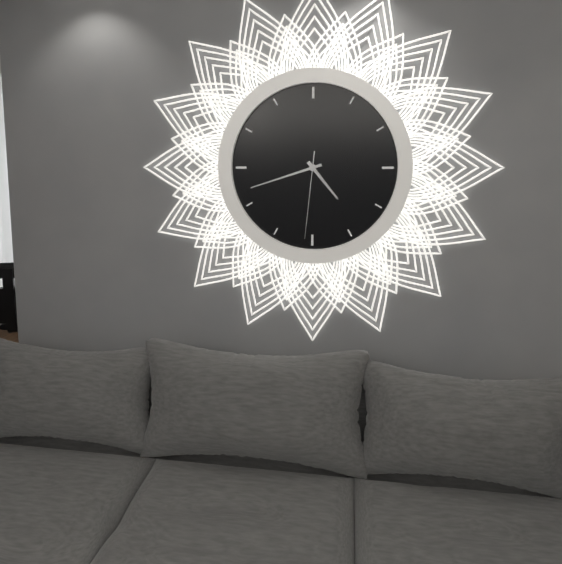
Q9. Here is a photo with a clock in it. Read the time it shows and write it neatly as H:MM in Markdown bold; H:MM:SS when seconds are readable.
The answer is **4:42:31**
